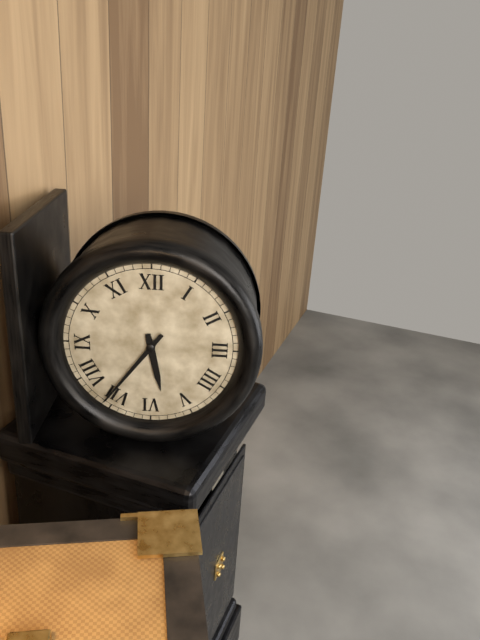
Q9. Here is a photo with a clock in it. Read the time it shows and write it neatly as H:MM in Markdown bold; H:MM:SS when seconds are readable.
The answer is **5:36**
